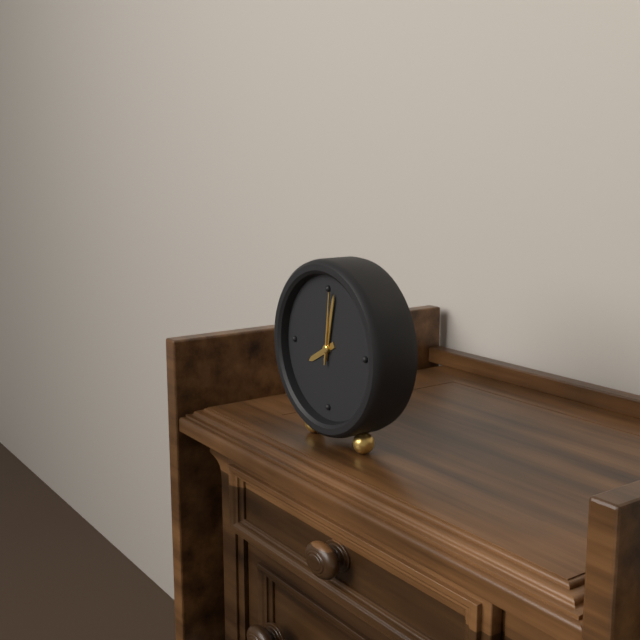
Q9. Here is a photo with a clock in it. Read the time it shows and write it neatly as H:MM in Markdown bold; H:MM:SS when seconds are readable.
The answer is **8:02:01**
